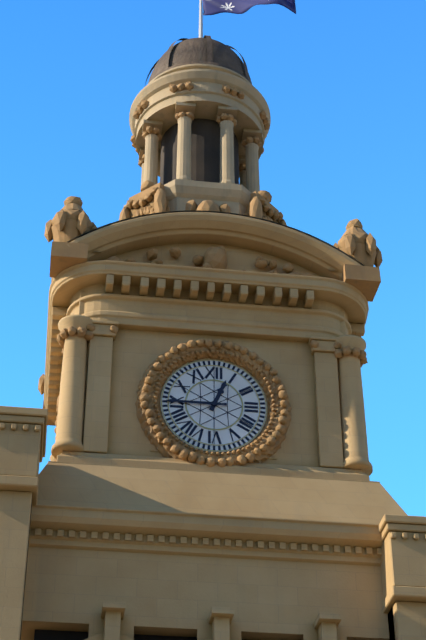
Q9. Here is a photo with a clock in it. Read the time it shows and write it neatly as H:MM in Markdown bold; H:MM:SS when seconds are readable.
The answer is **12:45**
